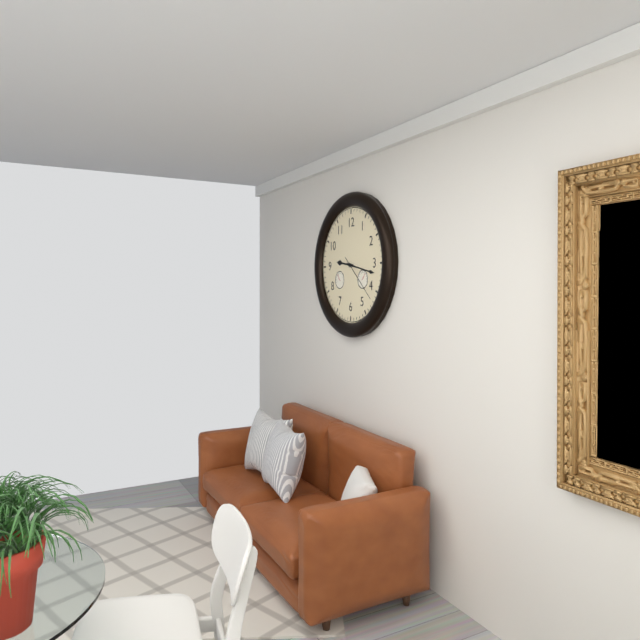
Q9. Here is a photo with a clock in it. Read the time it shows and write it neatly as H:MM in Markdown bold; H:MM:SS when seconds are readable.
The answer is **9:17**
